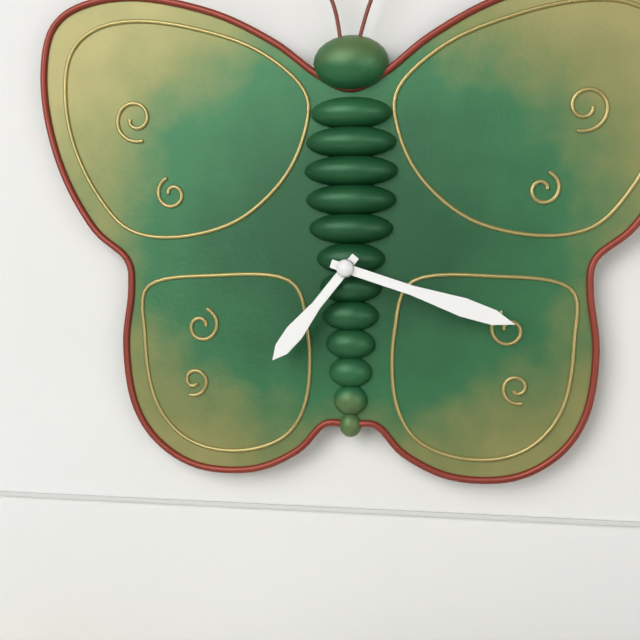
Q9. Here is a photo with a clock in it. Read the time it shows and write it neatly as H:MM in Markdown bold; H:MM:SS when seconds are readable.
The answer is **7:18**
